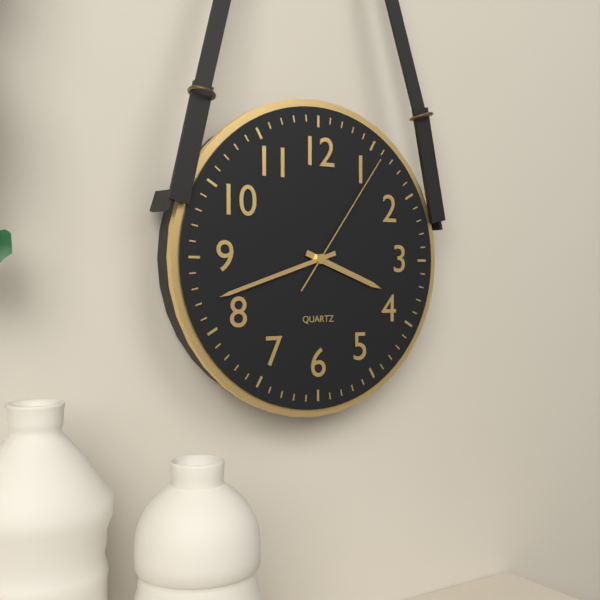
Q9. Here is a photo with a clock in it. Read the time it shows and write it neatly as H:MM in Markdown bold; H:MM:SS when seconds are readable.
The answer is **3:42:06**
